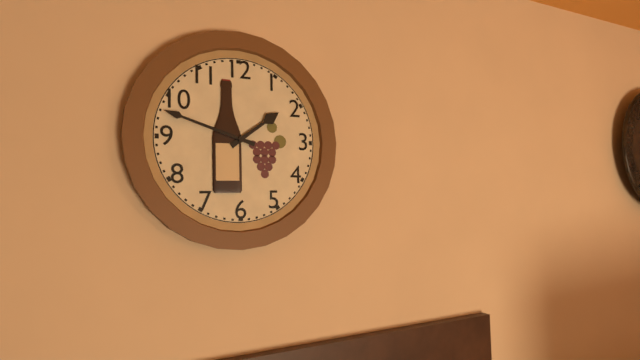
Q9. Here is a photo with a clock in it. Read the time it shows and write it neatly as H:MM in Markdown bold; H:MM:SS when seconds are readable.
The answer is **1:48**
